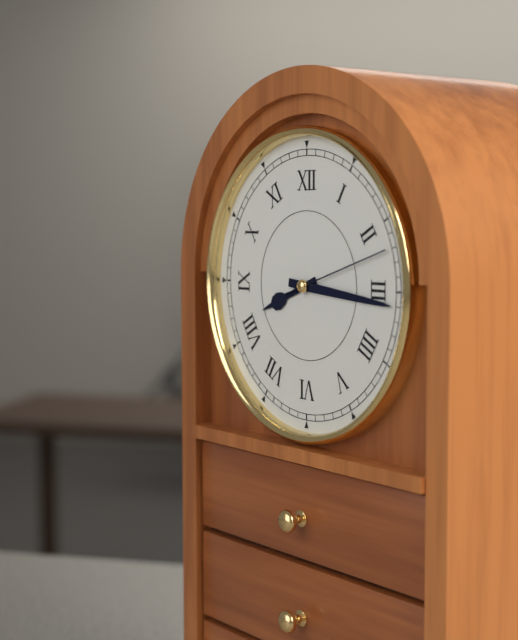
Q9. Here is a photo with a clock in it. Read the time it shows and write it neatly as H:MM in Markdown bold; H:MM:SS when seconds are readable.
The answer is **8:16:12**
